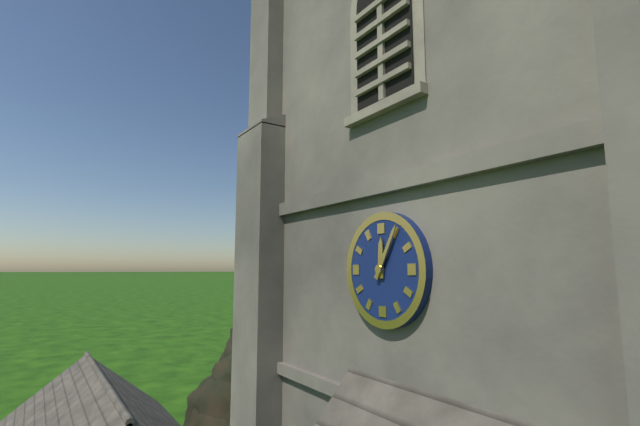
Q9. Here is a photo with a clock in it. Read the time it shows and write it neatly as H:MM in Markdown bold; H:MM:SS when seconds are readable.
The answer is **12:05**
